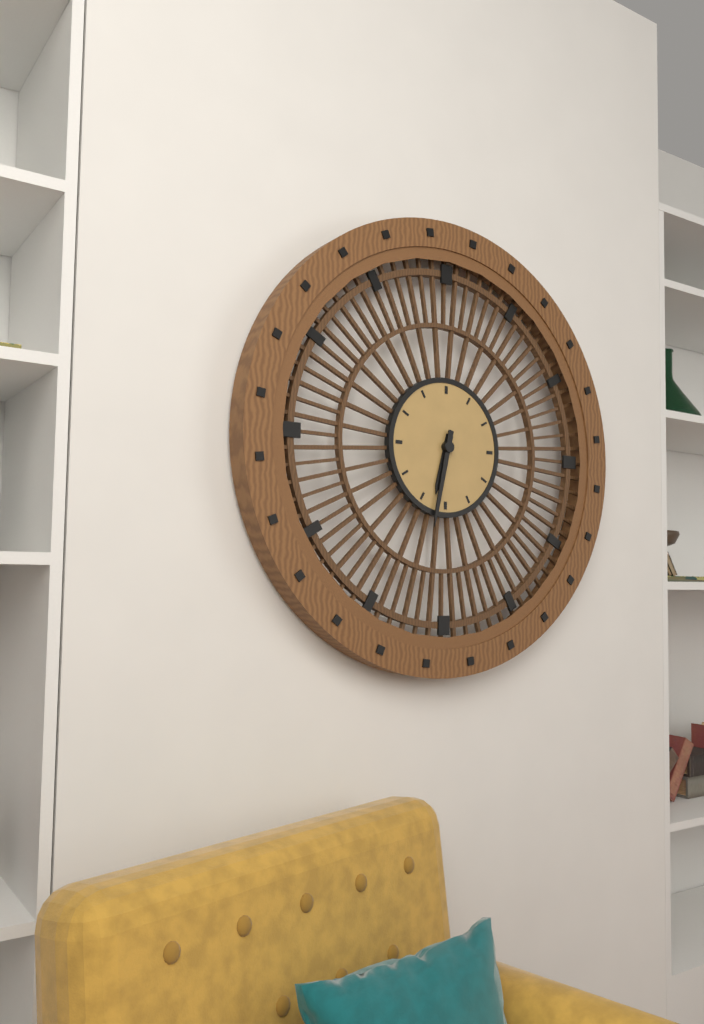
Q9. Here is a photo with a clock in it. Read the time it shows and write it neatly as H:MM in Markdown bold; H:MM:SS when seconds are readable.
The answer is **6:32**
